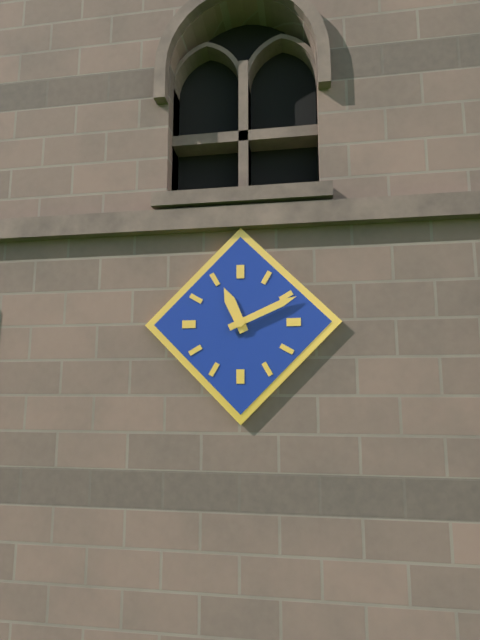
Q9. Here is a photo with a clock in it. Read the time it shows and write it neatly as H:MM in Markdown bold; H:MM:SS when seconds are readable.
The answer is **11:11**
